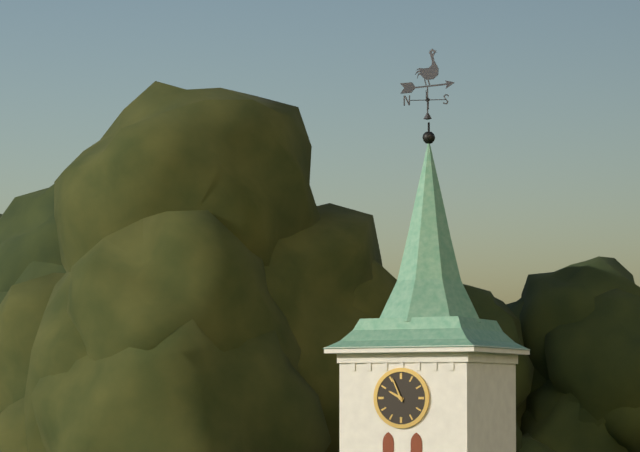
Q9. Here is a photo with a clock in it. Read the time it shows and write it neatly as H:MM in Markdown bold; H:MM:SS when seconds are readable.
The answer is **9:56**
